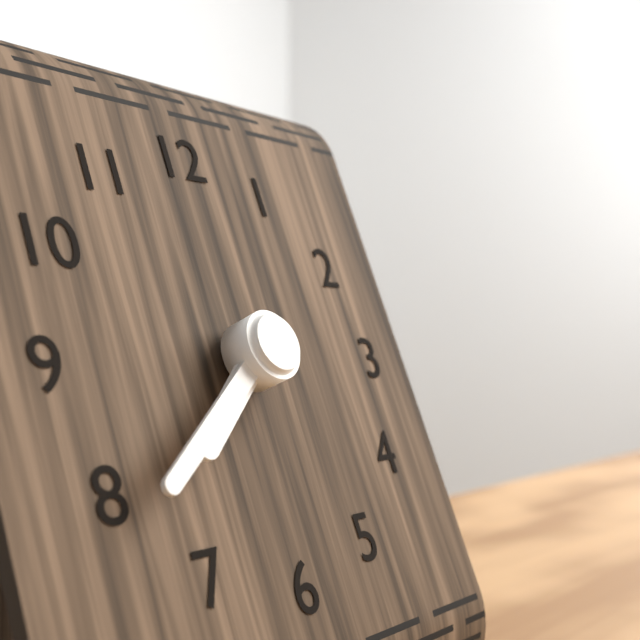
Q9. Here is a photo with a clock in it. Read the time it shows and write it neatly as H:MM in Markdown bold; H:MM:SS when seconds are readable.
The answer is **7:39**
